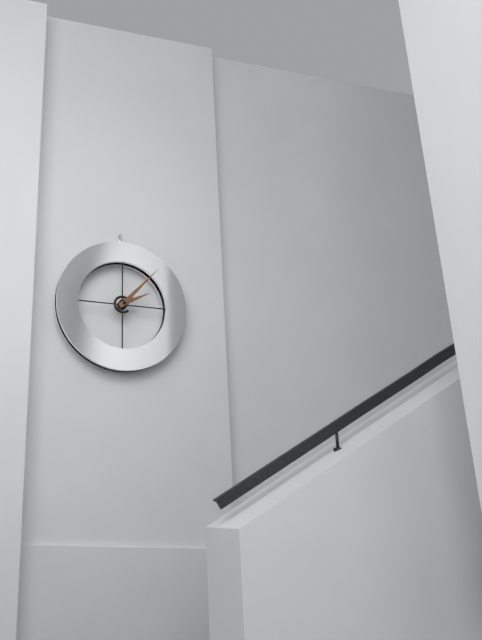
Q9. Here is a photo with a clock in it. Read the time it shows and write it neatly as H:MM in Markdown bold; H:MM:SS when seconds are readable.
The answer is **2:07**
